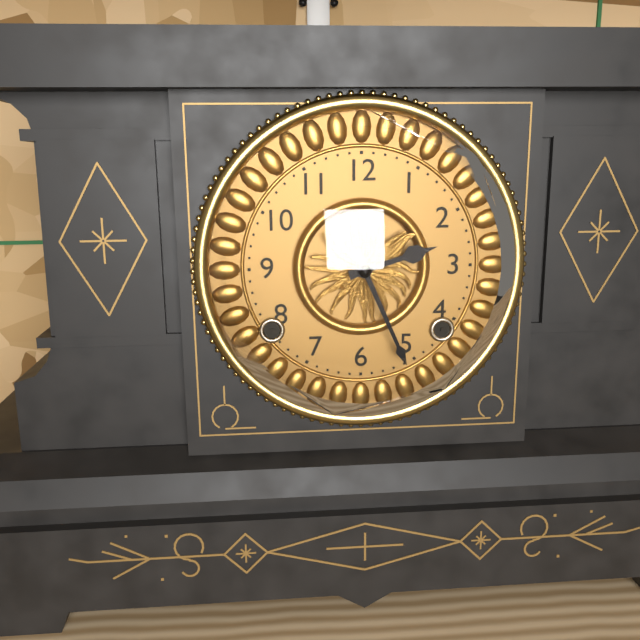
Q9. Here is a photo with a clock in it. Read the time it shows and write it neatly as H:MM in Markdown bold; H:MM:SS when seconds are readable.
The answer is **2:26**
